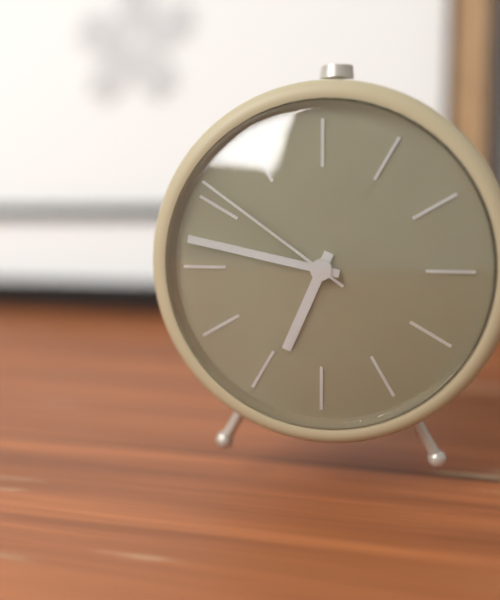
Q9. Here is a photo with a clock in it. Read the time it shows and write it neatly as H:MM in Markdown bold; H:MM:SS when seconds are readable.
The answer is **6:47:51**
